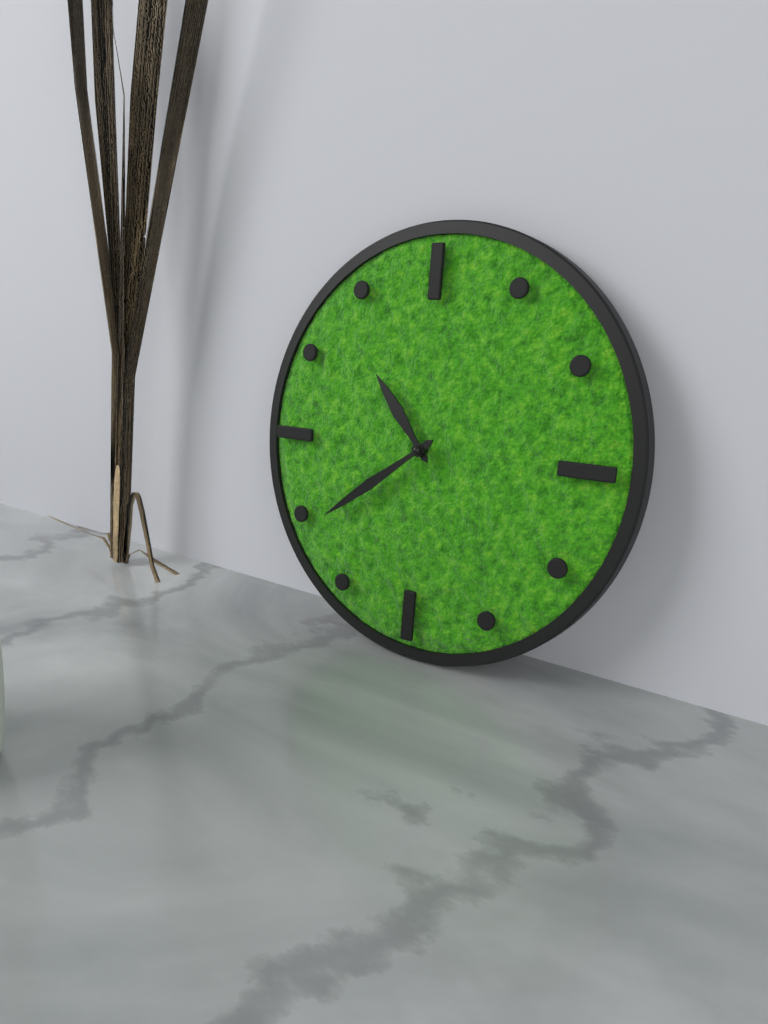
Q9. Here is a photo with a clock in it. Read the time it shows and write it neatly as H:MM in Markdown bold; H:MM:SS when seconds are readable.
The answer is **10:39**
